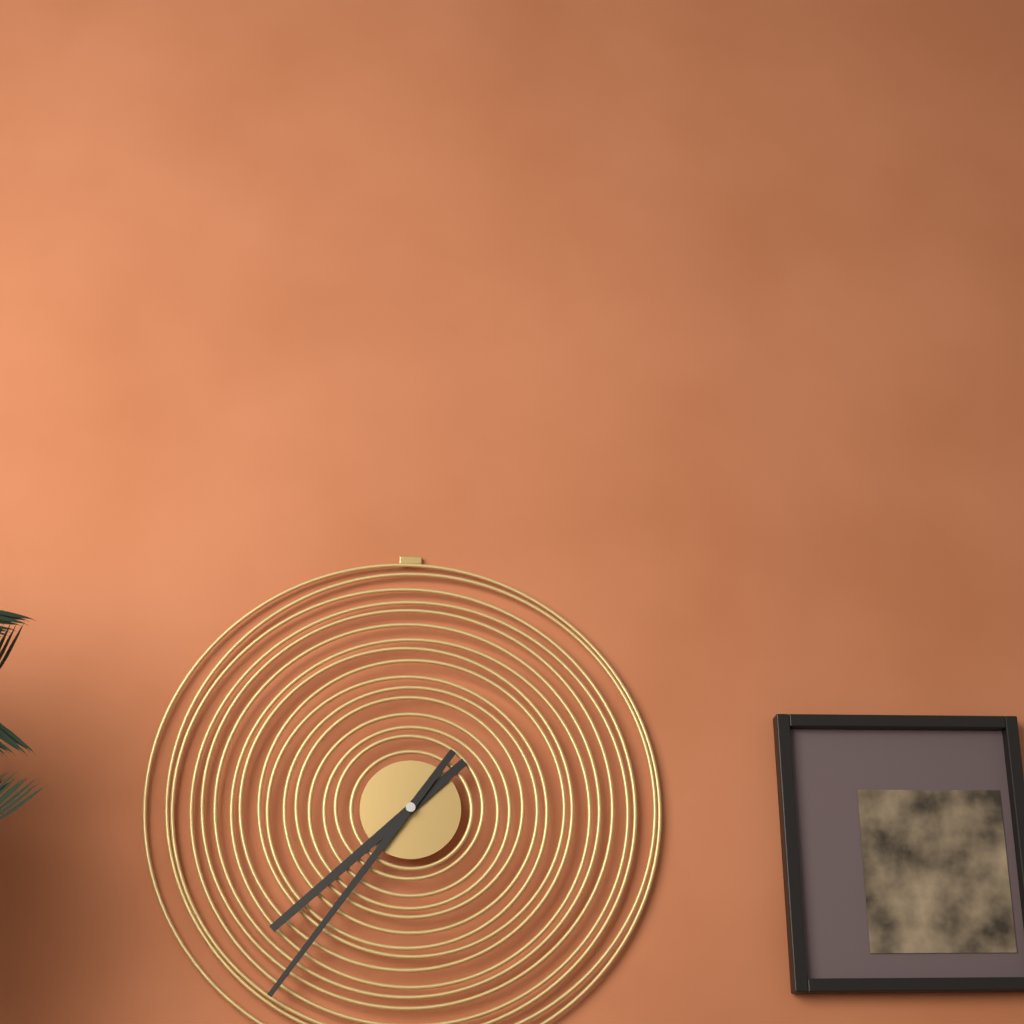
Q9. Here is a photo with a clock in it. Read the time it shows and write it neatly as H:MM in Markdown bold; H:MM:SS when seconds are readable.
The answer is **7:36**
